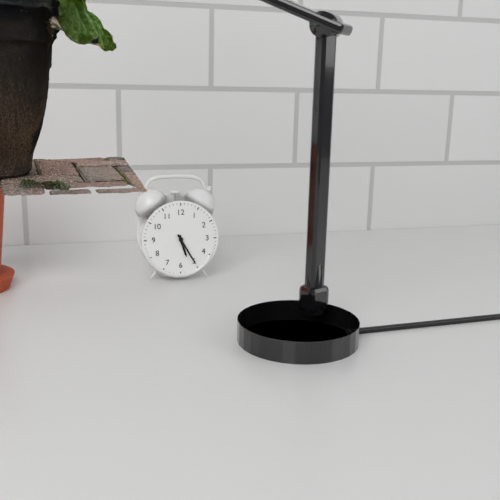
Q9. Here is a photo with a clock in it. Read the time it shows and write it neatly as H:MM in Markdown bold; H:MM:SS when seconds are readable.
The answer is **5:25**
